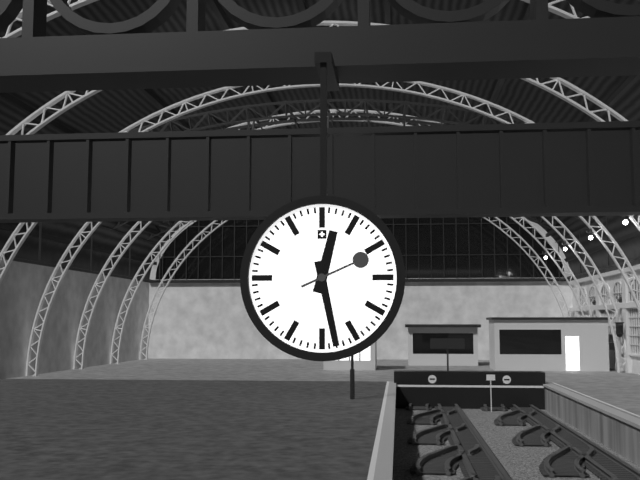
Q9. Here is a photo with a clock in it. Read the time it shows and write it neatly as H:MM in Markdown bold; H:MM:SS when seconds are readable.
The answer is **12:28:11**
